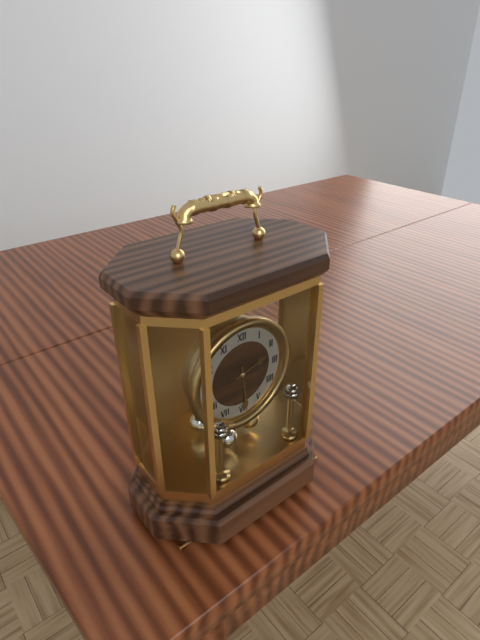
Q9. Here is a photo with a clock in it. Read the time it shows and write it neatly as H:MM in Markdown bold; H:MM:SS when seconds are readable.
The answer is **2:29**
